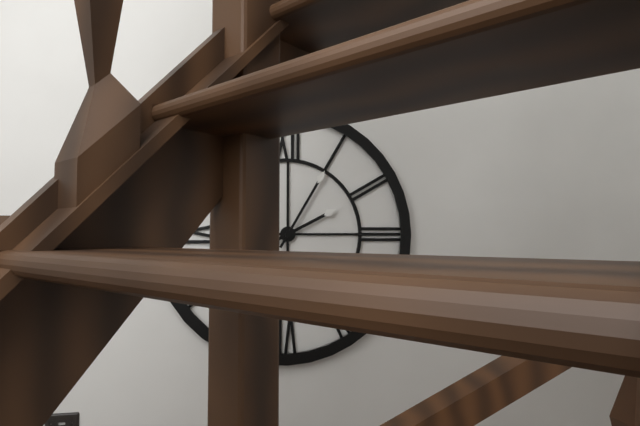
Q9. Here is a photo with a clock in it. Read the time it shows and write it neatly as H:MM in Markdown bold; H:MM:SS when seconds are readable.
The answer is **2:05**
